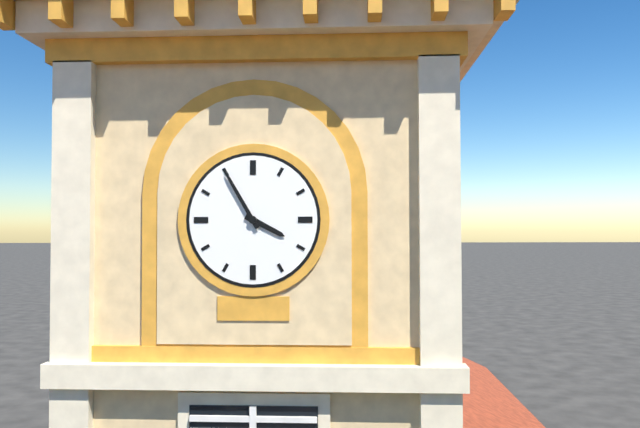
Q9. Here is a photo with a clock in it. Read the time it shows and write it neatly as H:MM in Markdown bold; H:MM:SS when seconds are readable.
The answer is **3:55**
